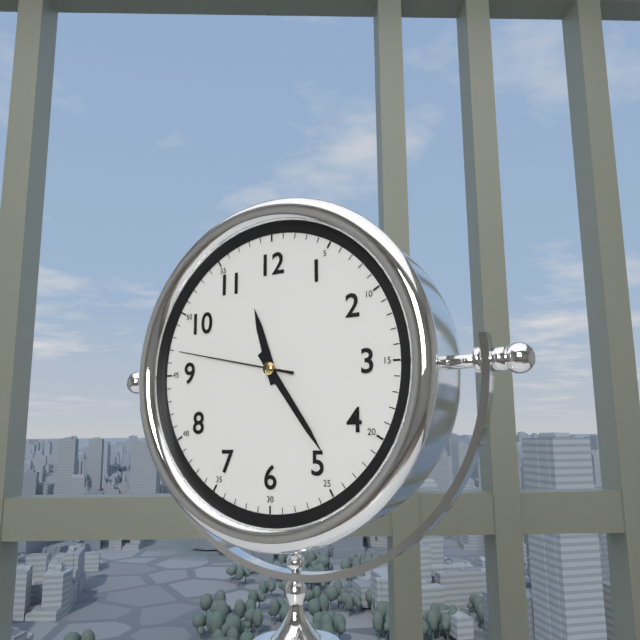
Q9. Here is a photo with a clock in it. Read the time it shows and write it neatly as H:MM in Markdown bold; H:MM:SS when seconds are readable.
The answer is **11:24:47**
